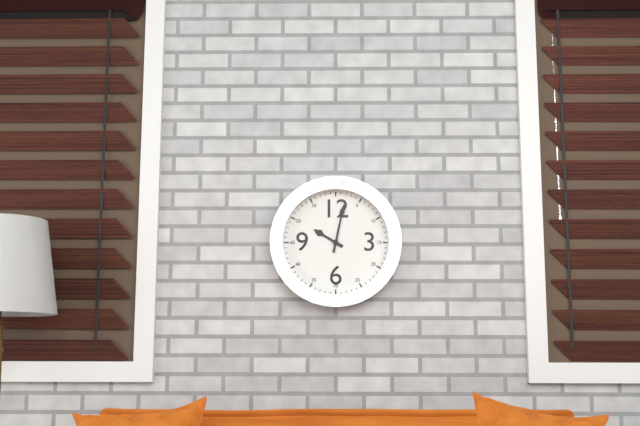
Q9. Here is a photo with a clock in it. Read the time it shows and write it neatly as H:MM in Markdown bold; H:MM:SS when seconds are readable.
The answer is **10:02**
